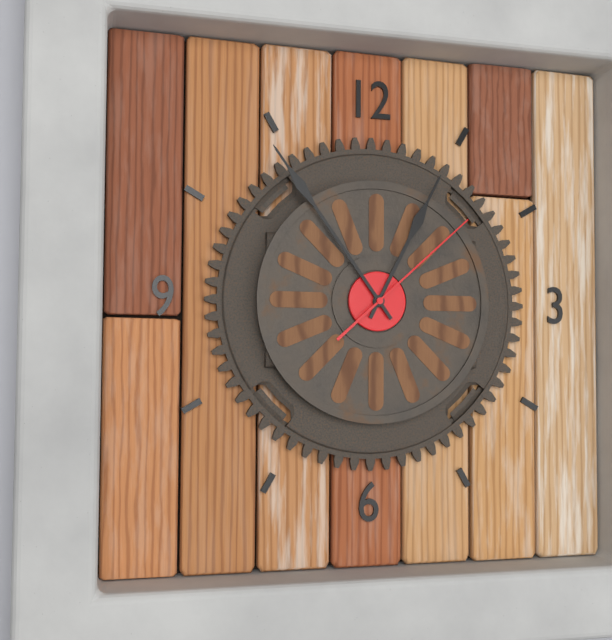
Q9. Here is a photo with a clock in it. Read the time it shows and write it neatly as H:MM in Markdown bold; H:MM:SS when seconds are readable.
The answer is **12:54:08**
